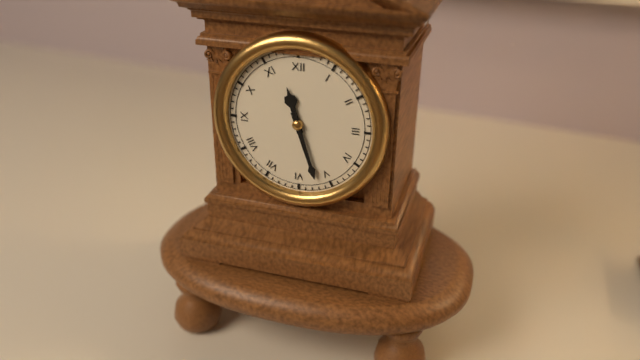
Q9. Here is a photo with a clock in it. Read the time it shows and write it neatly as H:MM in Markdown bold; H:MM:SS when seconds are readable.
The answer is **11:27**
